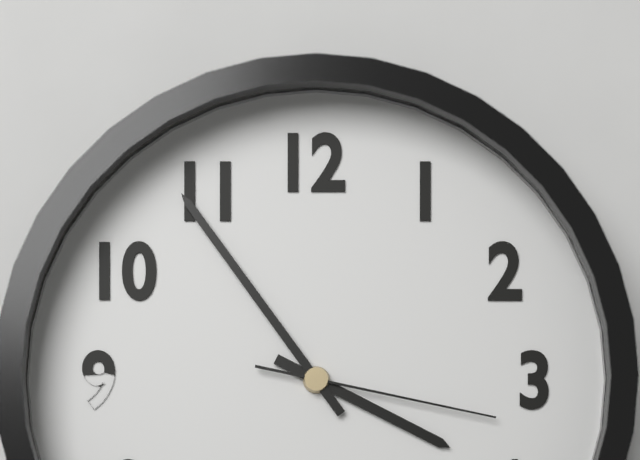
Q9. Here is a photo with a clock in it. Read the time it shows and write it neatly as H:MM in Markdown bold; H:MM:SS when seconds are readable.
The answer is **3:54:17**
